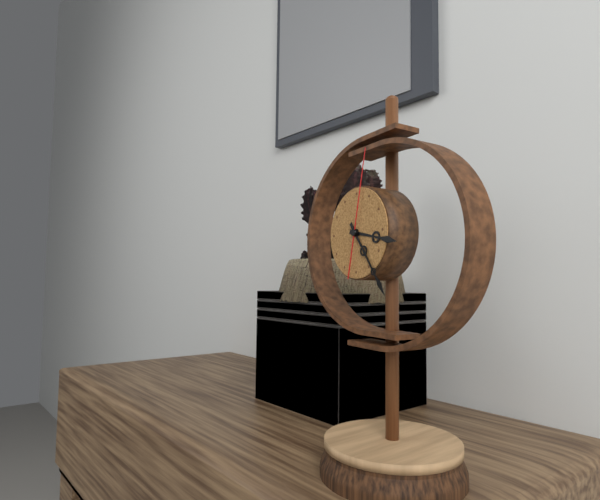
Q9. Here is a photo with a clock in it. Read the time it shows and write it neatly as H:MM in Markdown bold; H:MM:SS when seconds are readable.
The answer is **3:24:02**
